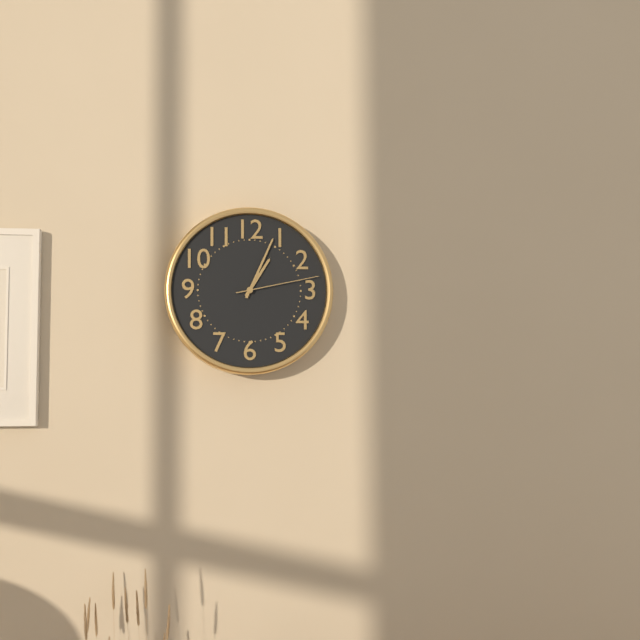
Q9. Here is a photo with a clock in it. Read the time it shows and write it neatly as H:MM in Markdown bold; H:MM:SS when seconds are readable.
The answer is **1:04:13**
